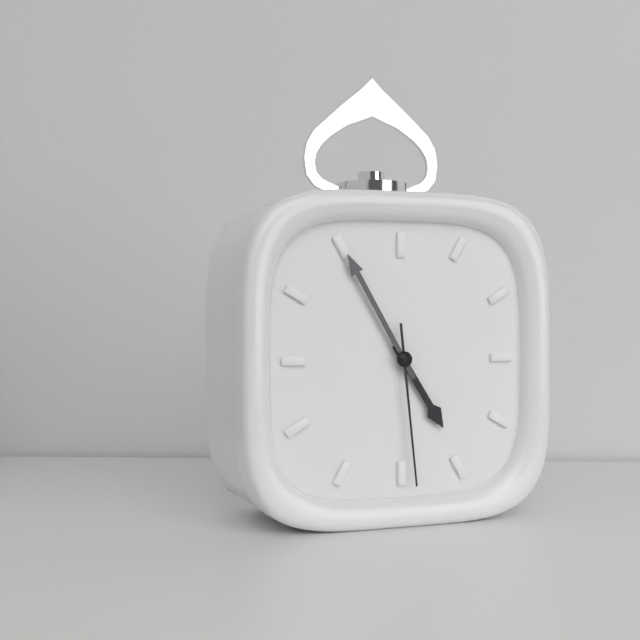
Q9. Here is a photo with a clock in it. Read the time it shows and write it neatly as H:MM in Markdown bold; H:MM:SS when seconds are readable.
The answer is **4:55:29**
